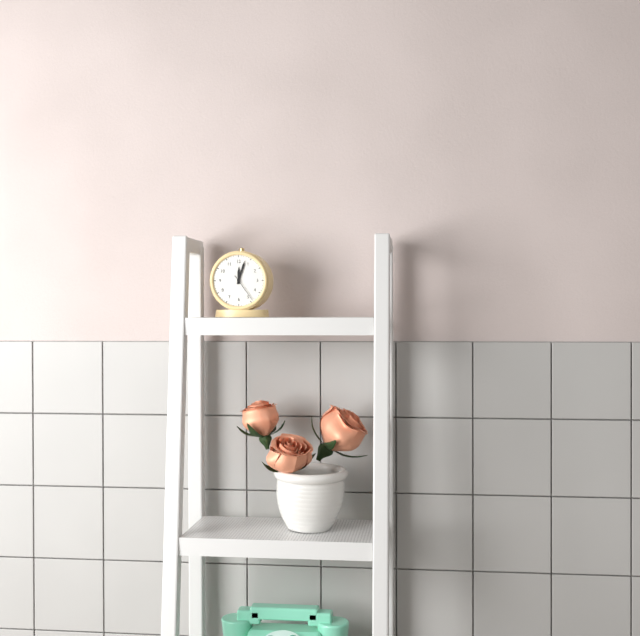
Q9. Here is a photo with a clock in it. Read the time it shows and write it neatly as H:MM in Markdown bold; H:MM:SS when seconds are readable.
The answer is **12:03**
